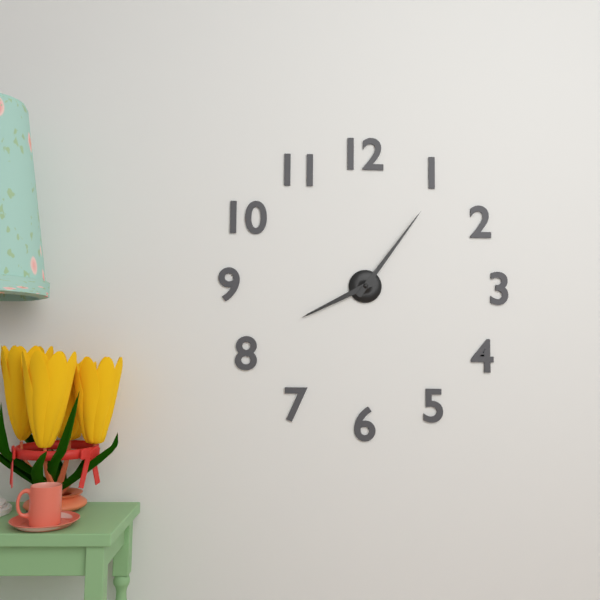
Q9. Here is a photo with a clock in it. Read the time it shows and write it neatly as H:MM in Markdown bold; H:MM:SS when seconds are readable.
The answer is **8:06**
